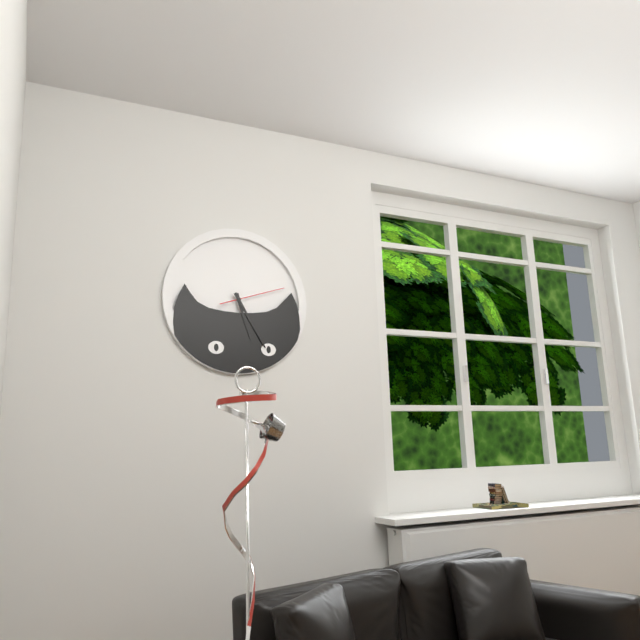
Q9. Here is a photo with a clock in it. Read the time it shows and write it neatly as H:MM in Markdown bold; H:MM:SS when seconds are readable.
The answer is **5:25:12**
